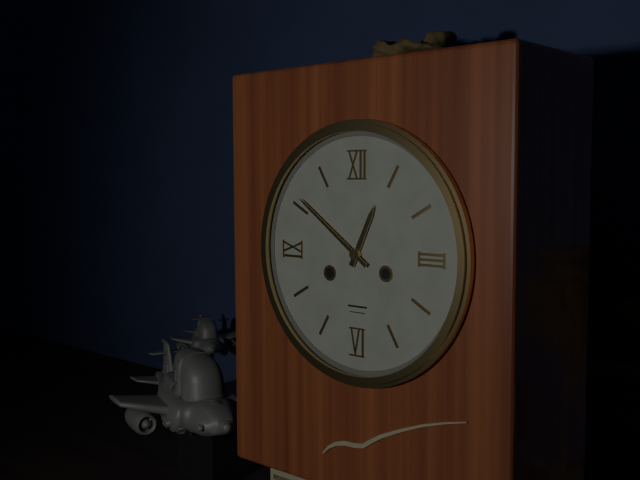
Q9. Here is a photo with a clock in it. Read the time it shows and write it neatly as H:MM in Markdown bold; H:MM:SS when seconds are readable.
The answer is **12:51**
